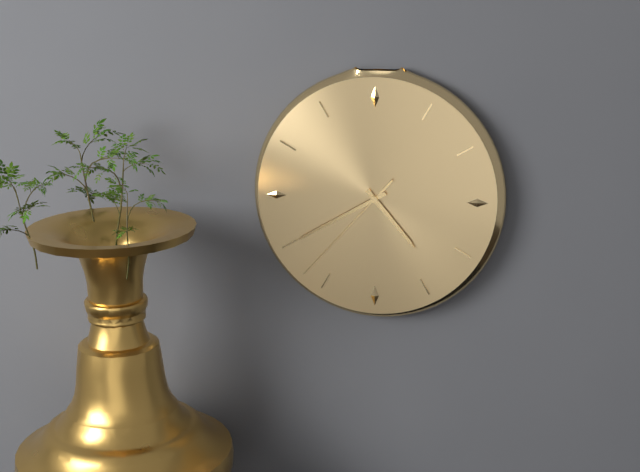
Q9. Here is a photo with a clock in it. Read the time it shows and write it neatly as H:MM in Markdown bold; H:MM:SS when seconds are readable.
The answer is **4:40:37**
